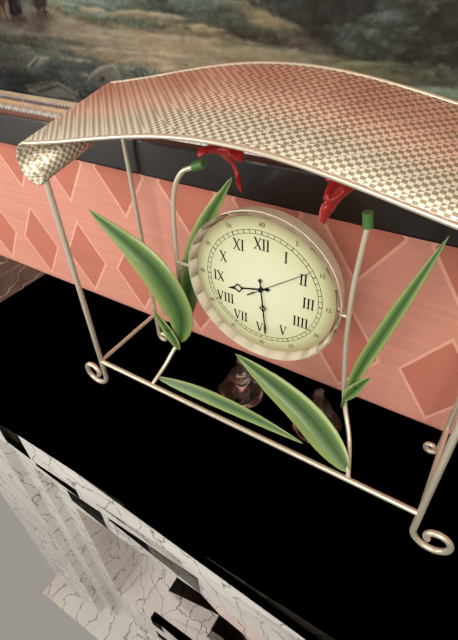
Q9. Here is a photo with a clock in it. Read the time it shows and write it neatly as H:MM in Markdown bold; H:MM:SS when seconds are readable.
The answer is **8:29:09**
